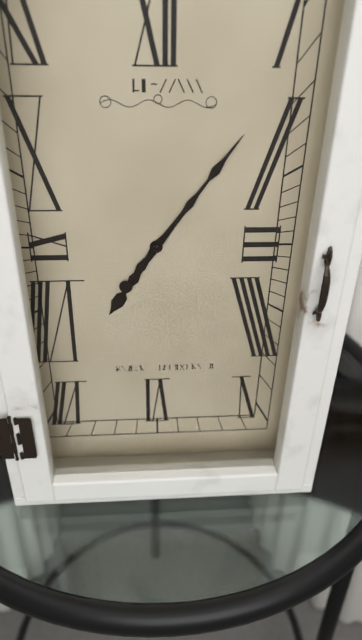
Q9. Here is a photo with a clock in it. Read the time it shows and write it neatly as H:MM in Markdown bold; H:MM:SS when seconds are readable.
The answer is **7:06**
